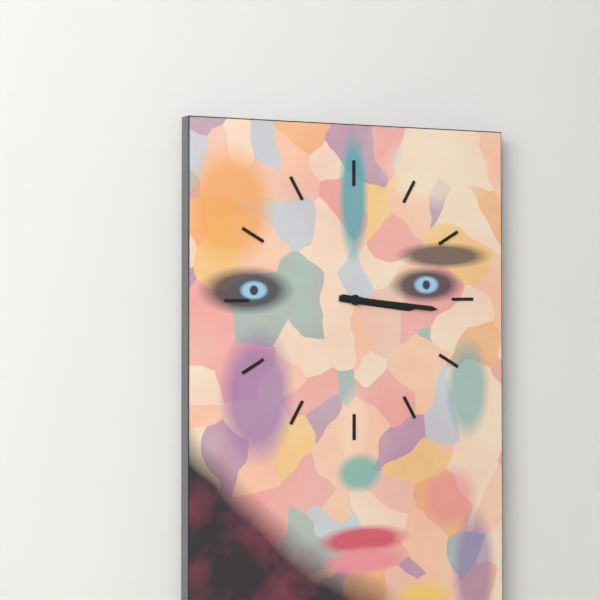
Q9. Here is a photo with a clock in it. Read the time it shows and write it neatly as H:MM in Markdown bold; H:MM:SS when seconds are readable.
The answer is **3:16**
